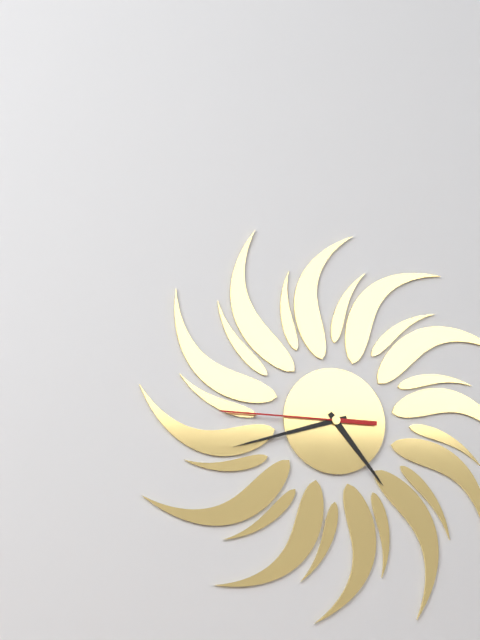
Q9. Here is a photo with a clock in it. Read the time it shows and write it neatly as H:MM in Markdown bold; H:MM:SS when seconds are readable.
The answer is **4:42:45**
